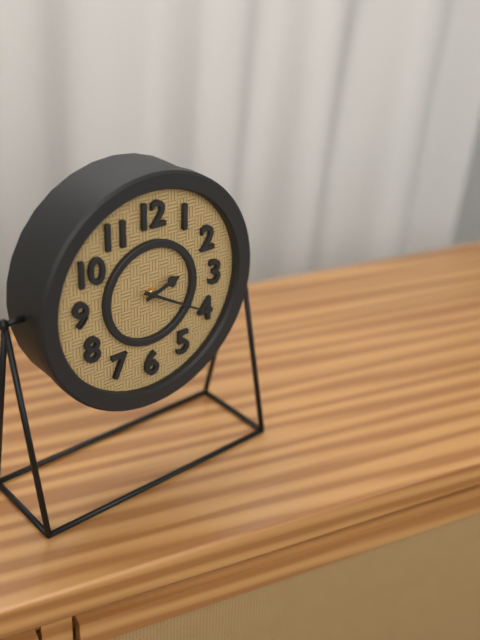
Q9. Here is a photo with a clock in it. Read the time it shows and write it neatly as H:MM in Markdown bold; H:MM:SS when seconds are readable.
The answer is **2:20**
